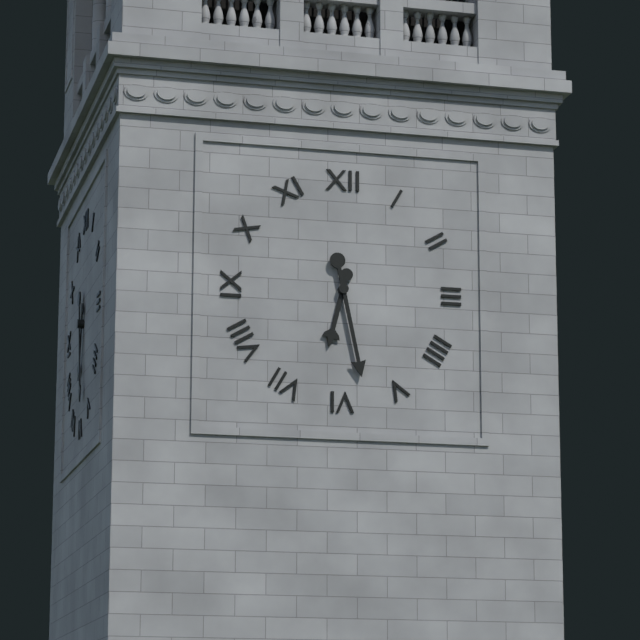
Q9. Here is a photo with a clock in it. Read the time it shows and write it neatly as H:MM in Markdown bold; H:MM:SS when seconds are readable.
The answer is **6:28**
